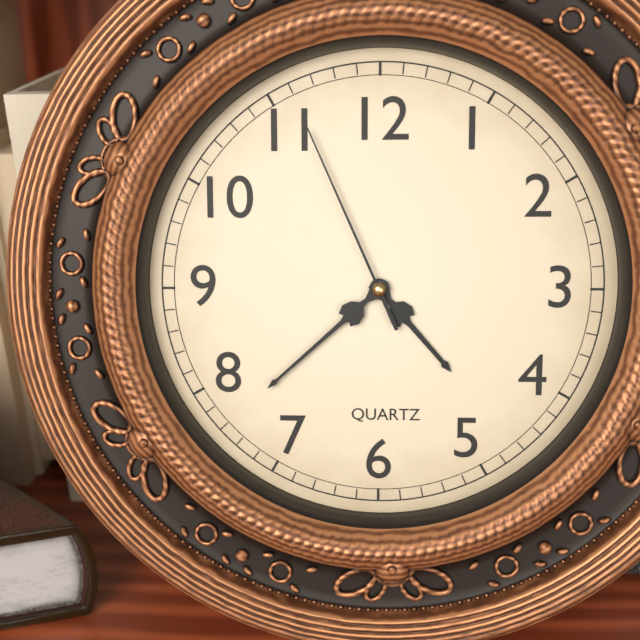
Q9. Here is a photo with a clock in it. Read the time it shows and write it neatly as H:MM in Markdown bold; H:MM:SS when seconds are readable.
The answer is **4:38:56**
